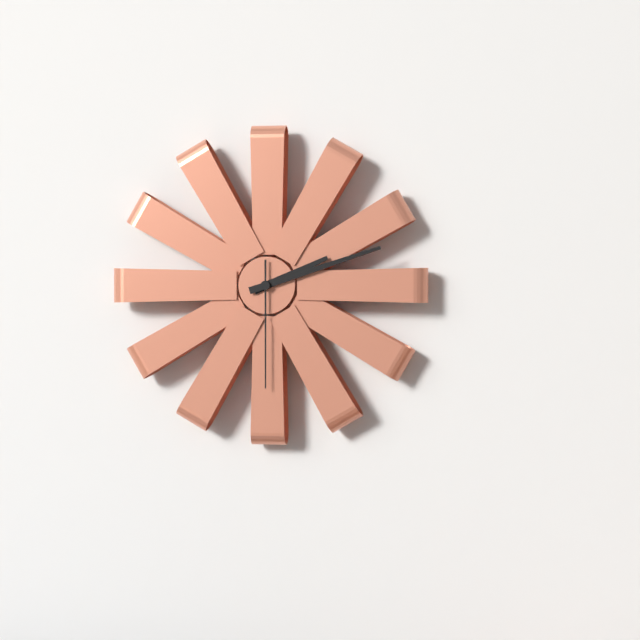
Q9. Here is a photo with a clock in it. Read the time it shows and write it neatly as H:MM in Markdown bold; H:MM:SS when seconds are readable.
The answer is **2:12:30**
